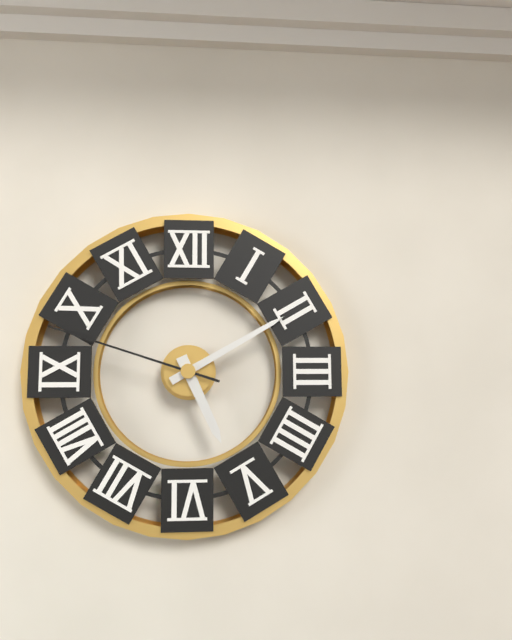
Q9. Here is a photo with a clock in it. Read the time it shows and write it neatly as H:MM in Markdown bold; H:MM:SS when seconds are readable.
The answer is **5:10:48**
